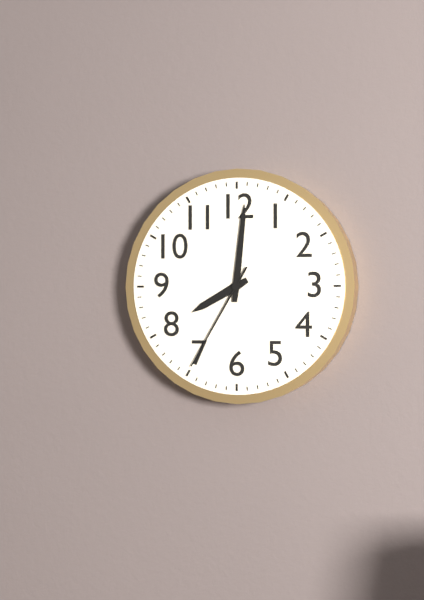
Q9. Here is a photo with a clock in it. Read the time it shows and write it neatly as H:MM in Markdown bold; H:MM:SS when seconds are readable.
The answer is **8:01:35**
